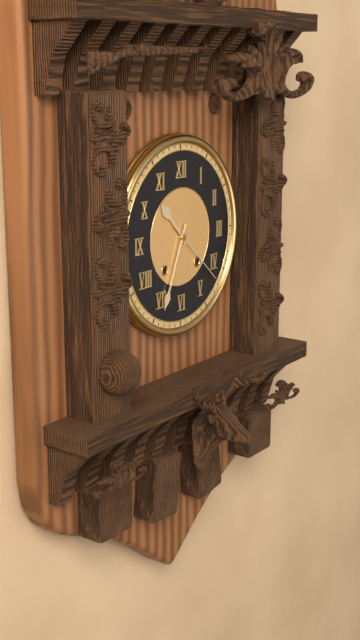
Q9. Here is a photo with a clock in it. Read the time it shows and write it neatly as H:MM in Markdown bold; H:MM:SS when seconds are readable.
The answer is **10:34:22**
